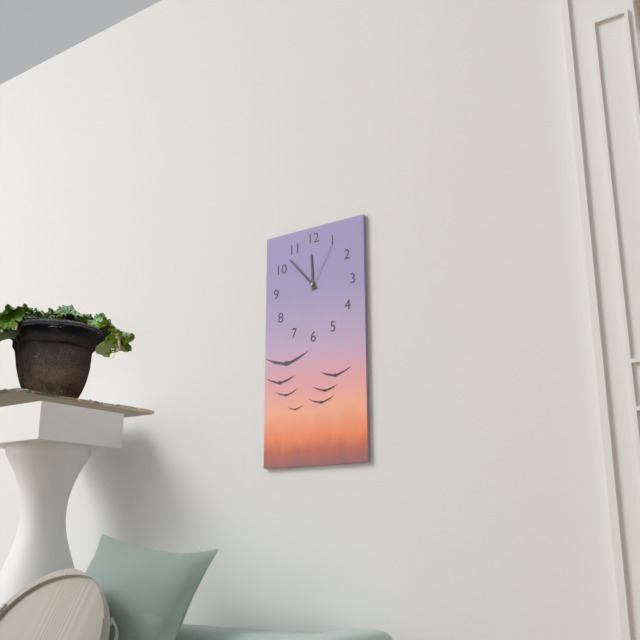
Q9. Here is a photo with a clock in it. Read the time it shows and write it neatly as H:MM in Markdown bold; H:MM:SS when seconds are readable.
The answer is **11:53:05**
